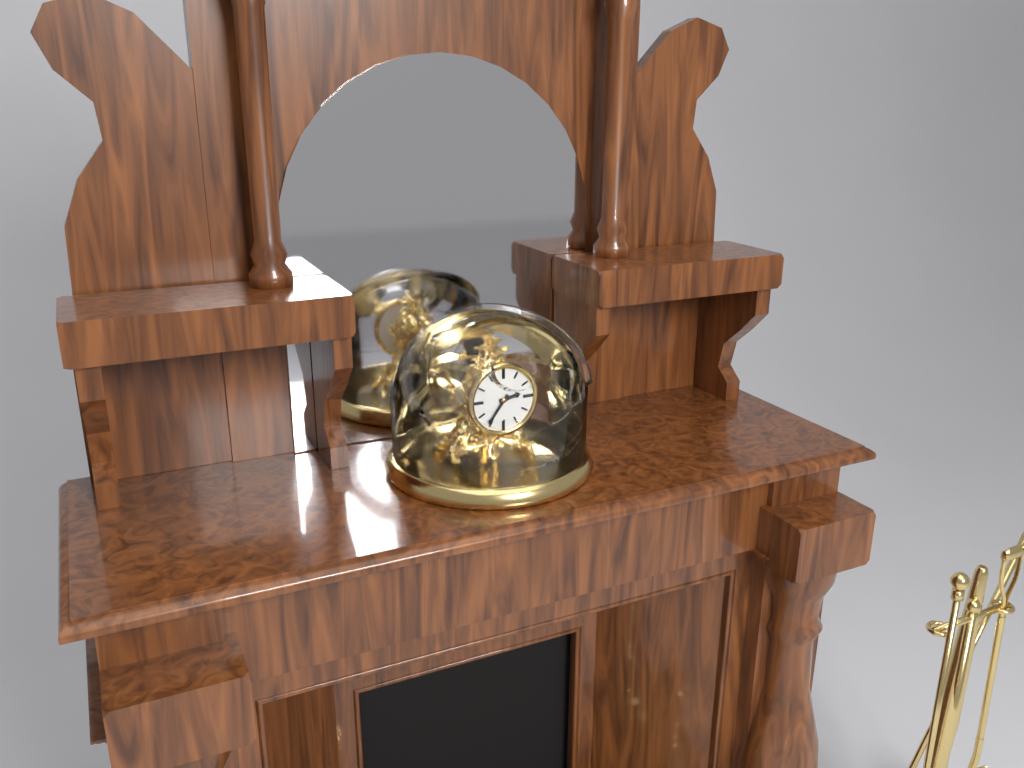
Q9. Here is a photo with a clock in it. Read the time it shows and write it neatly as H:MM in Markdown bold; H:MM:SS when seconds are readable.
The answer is **2:36**
